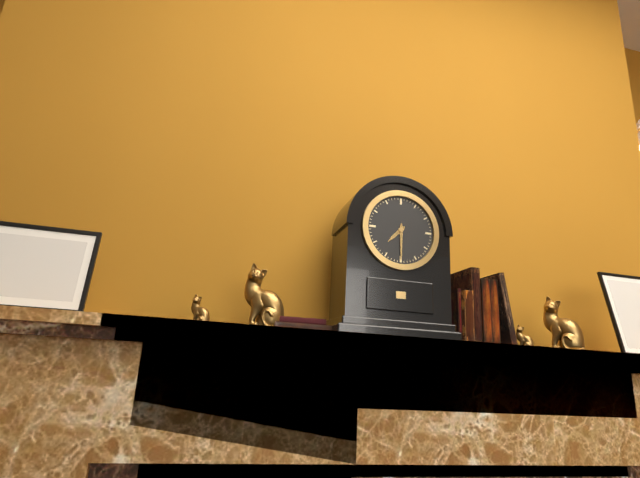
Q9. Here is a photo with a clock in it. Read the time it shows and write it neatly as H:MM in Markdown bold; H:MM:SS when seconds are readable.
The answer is **7:30**
